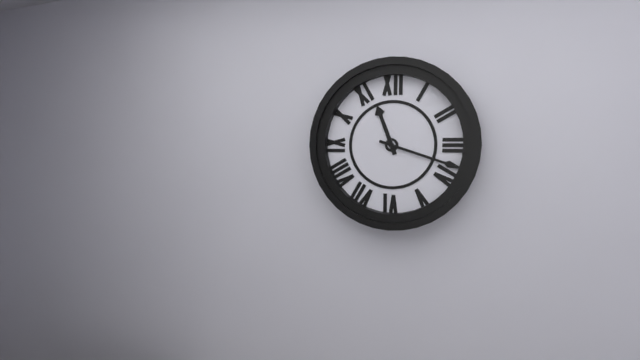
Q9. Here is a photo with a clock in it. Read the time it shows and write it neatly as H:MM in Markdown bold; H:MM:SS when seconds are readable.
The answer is **11:18**
